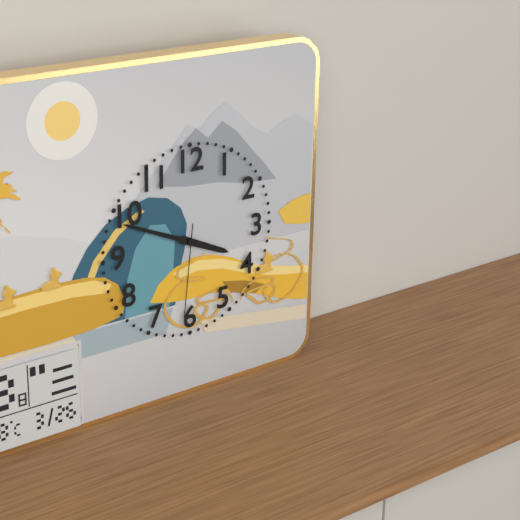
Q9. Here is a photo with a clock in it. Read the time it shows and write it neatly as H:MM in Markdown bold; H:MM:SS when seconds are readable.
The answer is **3:49:31**
